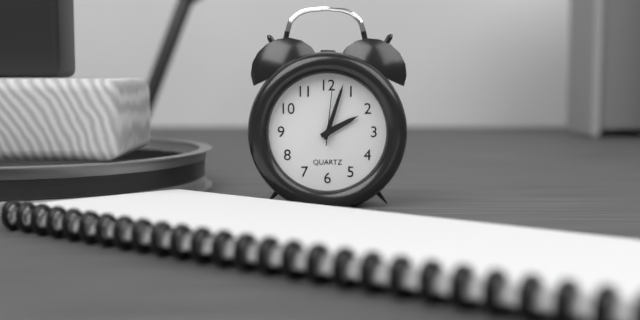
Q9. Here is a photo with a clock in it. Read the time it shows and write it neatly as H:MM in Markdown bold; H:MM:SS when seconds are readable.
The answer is **2:03:01**
